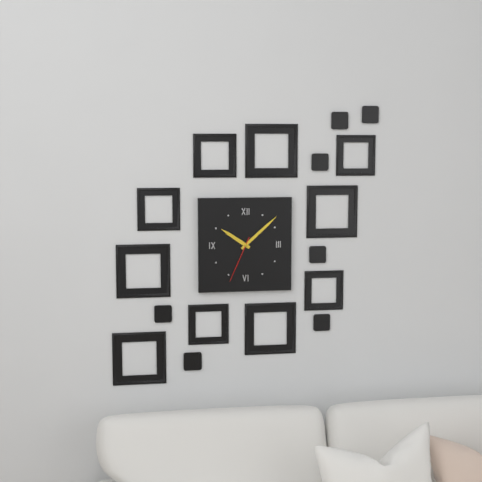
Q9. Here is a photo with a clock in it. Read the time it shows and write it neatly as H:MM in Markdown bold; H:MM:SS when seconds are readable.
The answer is **10:08**
